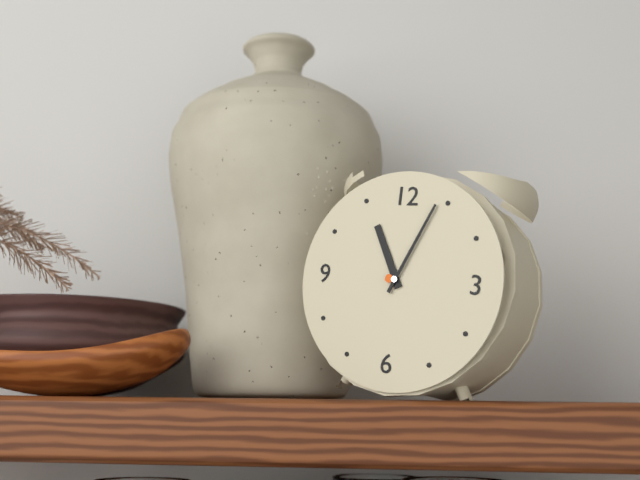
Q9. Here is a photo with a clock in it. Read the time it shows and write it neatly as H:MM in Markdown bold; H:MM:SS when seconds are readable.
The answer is **11:04**
